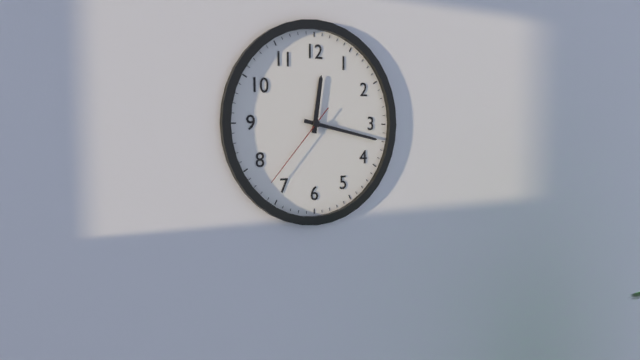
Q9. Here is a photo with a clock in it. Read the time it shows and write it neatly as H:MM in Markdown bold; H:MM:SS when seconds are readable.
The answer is **12:17:37**
